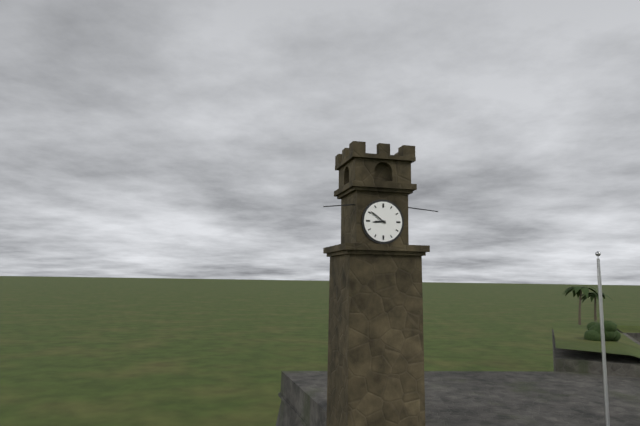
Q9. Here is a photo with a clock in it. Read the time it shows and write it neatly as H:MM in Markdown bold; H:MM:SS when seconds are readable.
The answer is **8:51**
